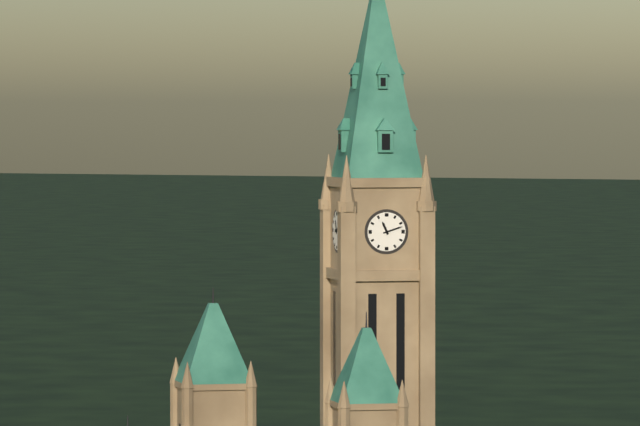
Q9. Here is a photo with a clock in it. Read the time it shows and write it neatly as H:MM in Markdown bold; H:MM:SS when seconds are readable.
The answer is **11:12**
